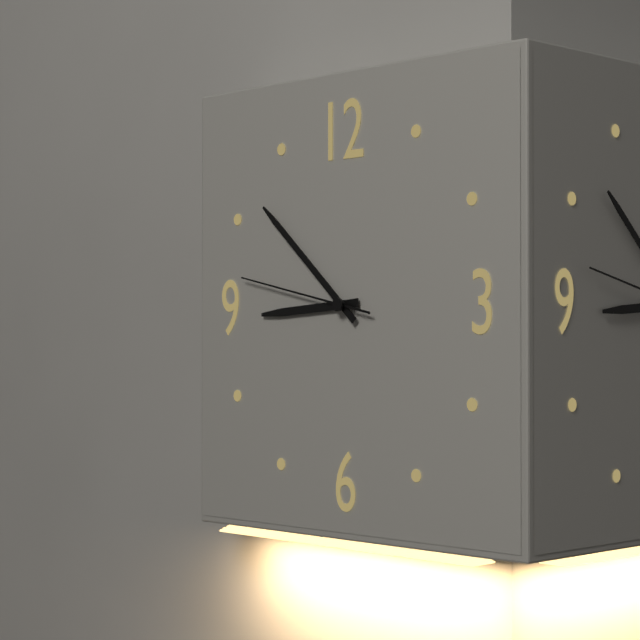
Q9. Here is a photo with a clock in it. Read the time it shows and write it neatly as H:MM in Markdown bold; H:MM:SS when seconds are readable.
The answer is **8:52:47**
